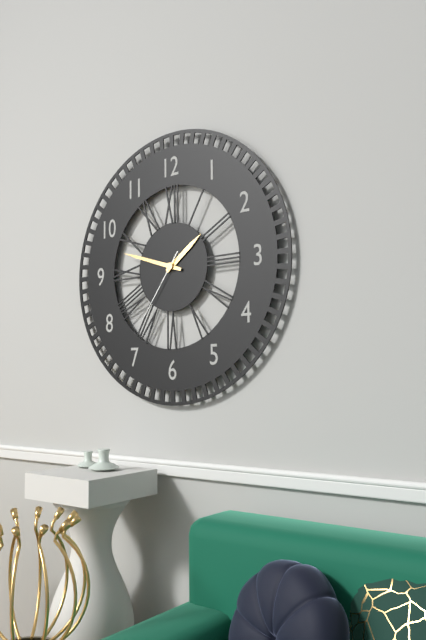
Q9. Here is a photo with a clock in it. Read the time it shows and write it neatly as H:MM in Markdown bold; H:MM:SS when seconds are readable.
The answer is **1:48:36**
